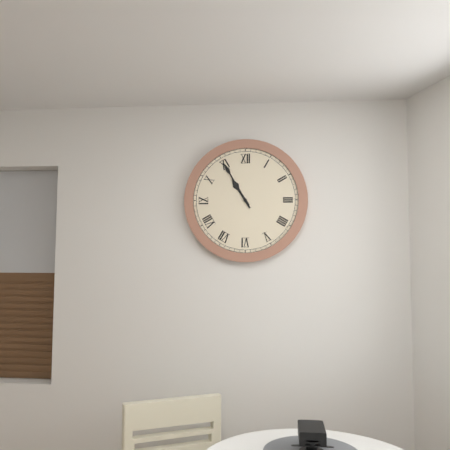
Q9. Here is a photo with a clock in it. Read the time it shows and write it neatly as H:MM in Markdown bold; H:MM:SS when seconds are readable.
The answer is **10:55**
